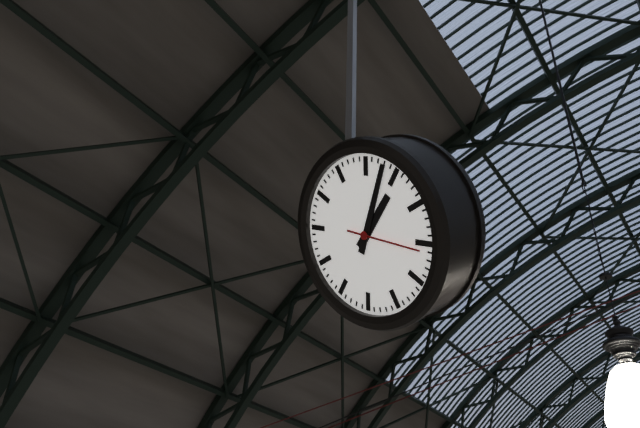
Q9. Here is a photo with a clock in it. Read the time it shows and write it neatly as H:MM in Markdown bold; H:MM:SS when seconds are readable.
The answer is **2:08:21**
